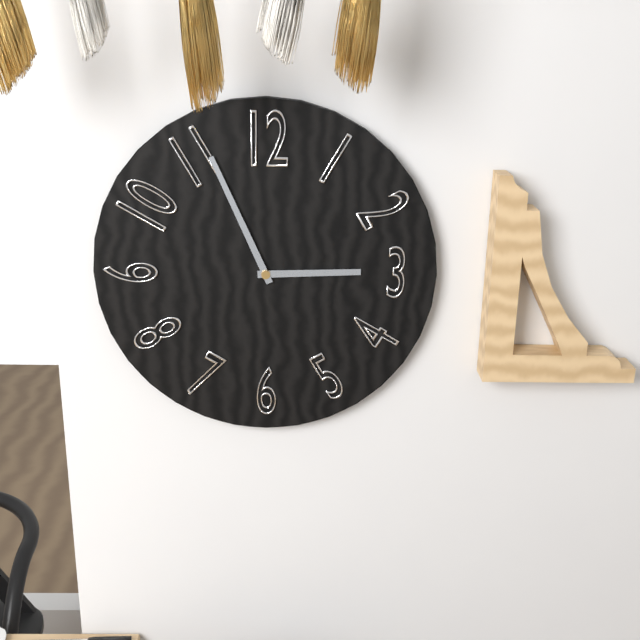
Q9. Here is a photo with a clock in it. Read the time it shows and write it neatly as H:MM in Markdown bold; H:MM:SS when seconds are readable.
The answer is **2:56**
